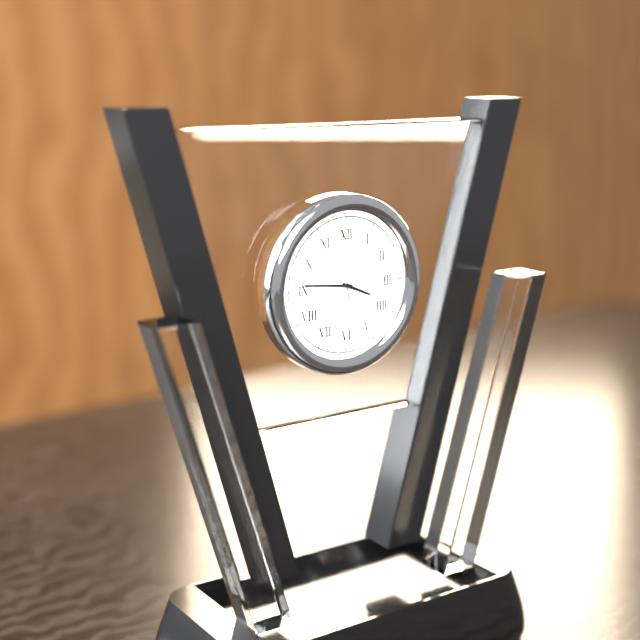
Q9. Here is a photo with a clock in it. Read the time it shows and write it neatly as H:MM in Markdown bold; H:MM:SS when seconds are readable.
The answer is **3:46:59**
